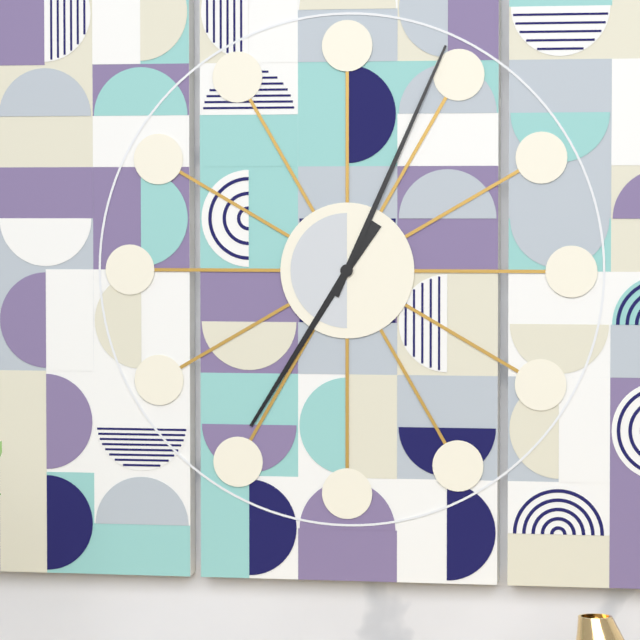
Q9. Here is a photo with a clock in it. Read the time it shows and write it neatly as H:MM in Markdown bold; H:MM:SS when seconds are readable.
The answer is **7:04**
